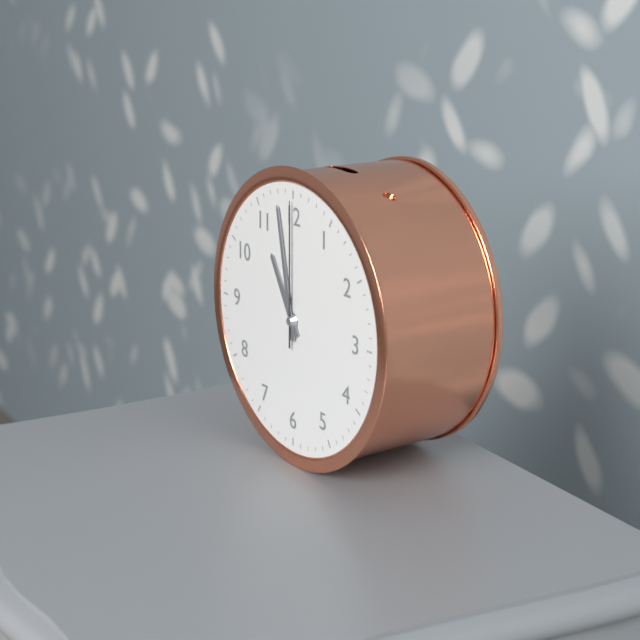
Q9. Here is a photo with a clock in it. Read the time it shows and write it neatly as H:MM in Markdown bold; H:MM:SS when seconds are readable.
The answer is **10:58:00**
